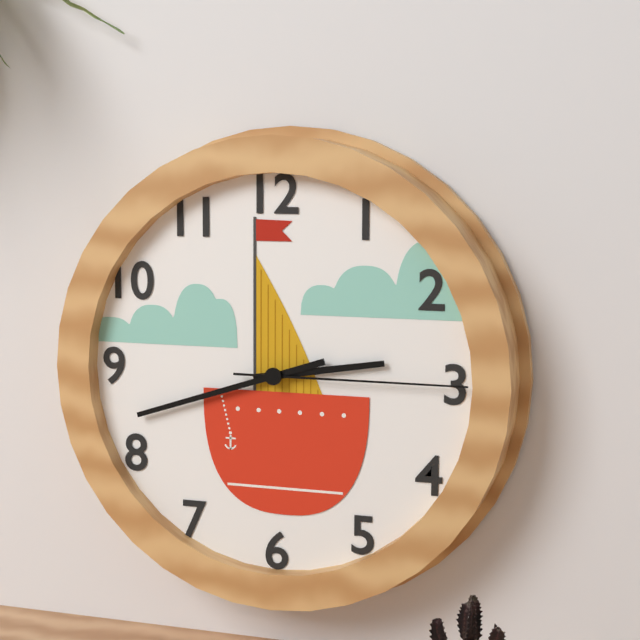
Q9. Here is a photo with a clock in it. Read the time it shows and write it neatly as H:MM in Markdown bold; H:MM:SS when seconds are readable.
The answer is **2:42:15**
